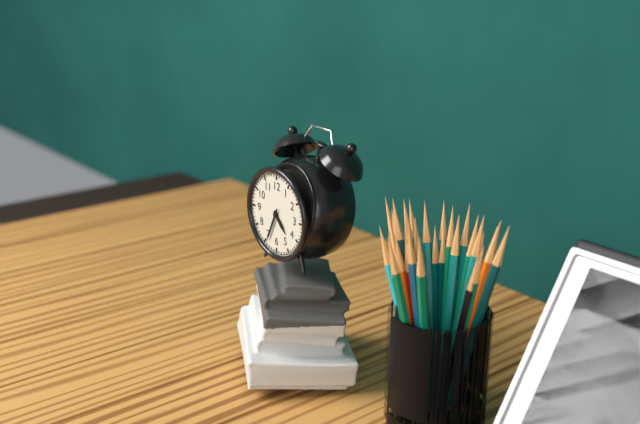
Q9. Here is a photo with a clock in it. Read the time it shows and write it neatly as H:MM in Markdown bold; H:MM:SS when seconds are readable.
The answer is **4:34**
